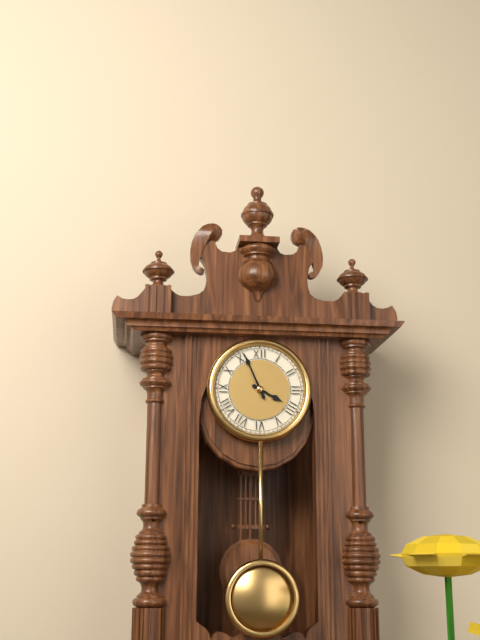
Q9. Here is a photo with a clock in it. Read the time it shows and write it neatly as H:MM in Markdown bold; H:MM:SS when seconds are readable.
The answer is **3:56**
